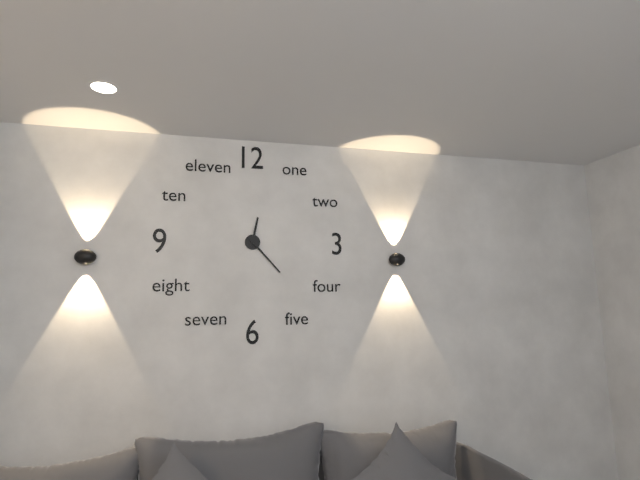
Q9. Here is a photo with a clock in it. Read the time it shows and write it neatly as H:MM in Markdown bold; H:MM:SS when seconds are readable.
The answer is **12:23**
